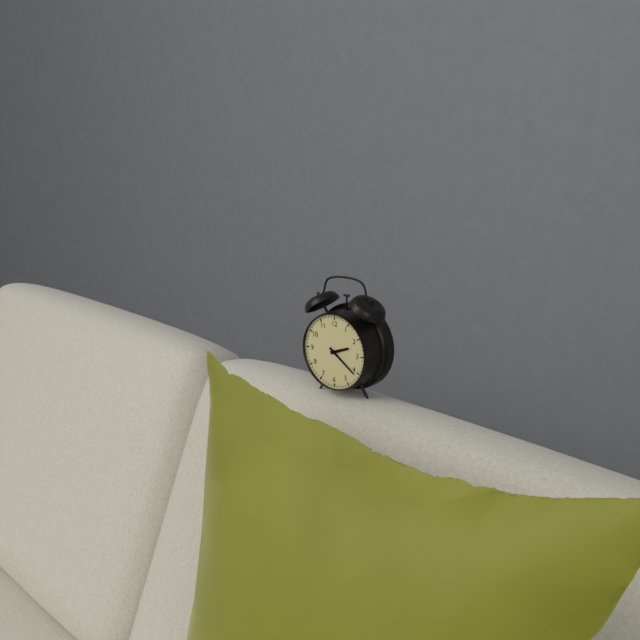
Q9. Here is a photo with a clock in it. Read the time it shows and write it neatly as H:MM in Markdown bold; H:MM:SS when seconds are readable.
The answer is **2:21**
